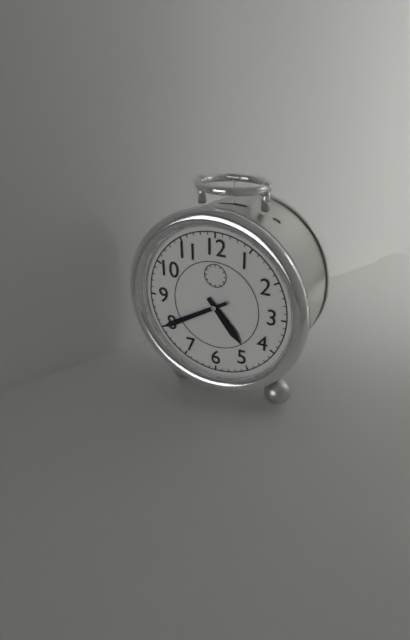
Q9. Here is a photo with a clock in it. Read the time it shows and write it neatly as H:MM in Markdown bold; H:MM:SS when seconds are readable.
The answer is **4:40**
